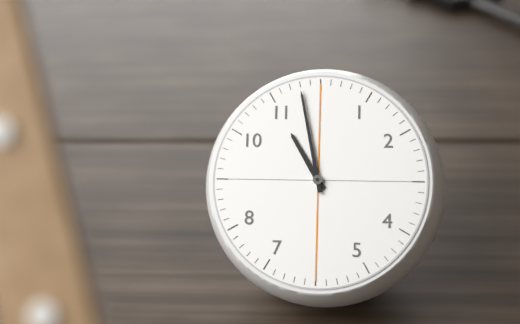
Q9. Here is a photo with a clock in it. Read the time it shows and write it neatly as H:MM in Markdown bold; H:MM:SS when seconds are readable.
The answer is **10:58**
